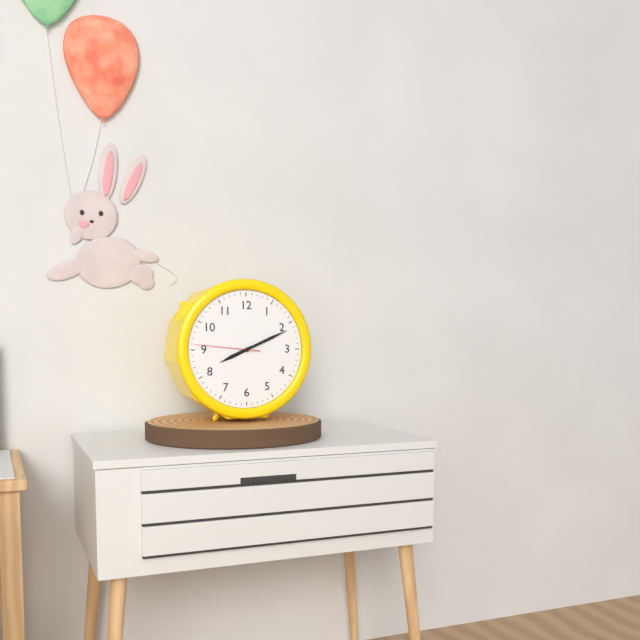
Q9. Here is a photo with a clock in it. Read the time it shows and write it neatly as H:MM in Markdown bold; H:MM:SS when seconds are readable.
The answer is **8:11:46**
